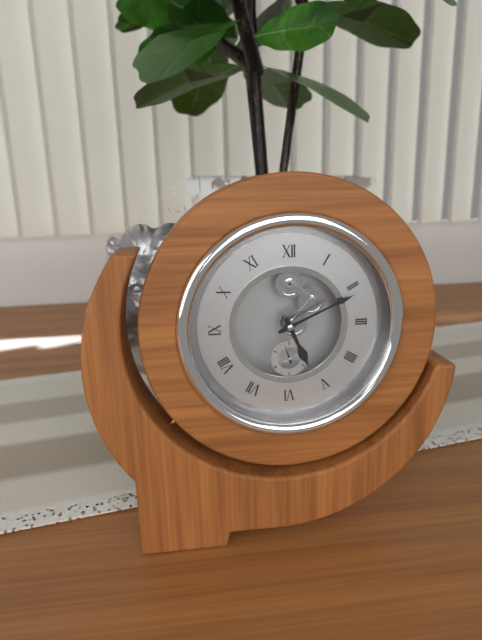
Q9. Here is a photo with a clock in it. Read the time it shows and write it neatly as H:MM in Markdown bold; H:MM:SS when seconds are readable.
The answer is **5:11**
